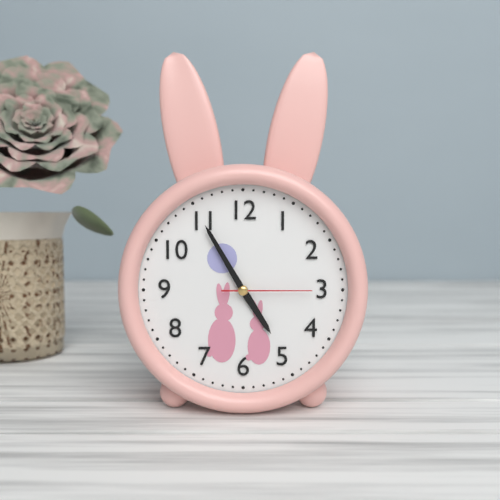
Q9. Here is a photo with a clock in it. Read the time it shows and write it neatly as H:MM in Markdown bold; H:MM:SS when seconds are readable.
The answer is **4:55:15**
